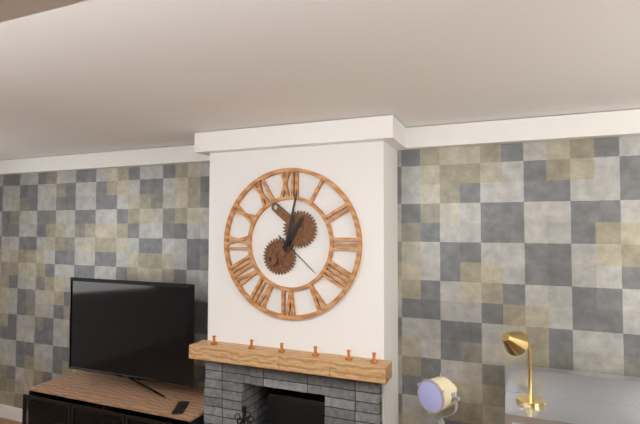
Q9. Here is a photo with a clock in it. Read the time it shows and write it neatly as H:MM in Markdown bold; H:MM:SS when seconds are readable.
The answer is **1:02:22**
